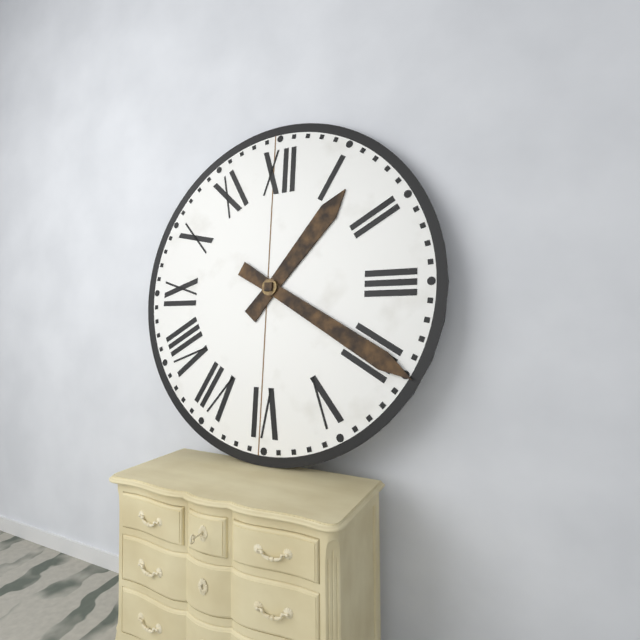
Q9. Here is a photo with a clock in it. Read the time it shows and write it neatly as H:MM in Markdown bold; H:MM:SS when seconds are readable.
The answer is **1:20**
